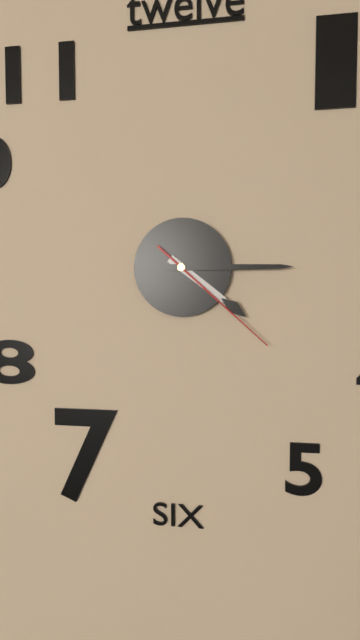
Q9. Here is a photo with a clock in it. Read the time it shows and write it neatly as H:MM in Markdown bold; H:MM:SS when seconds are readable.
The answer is **4:15:22**
